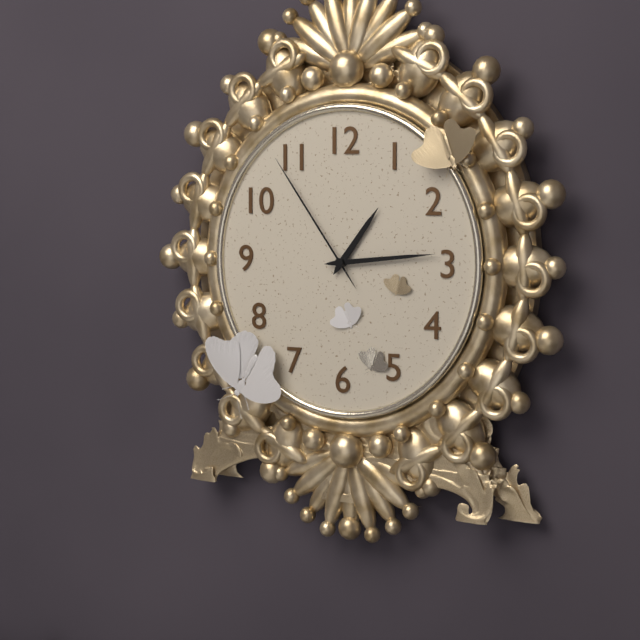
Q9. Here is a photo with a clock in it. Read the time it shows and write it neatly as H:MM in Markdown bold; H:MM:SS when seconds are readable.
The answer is **1:14:54**
